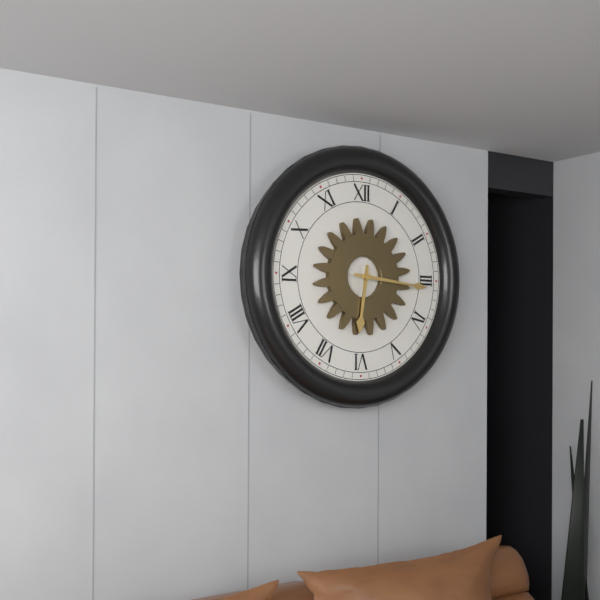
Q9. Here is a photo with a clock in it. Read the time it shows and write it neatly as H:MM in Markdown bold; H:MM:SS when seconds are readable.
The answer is **6:16**
